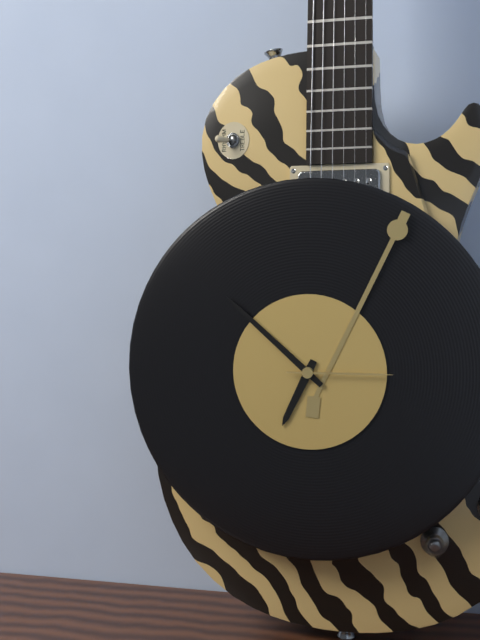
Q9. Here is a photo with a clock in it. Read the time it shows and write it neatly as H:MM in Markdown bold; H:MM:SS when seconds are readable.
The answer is **6:52:15**
